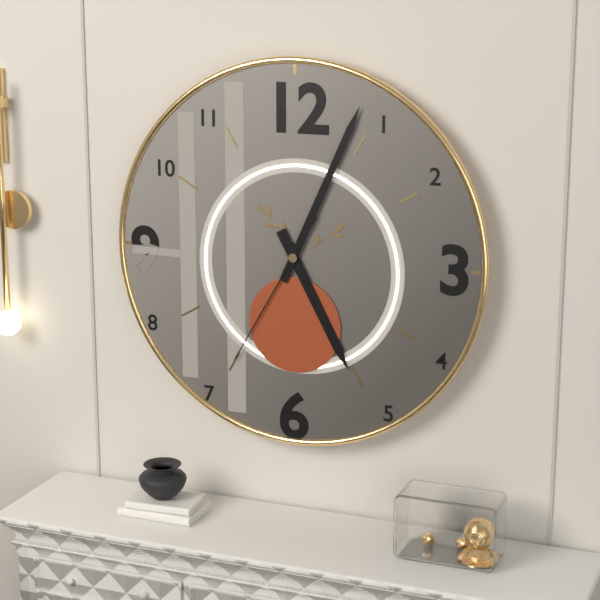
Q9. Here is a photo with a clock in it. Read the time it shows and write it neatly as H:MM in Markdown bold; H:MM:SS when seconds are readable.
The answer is **5:04:35**
